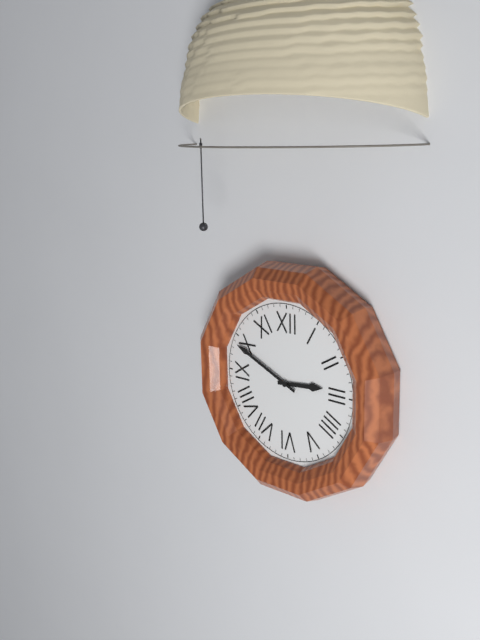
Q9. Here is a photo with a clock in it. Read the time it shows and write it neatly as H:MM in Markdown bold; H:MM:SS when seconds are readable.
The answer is **2:49**
